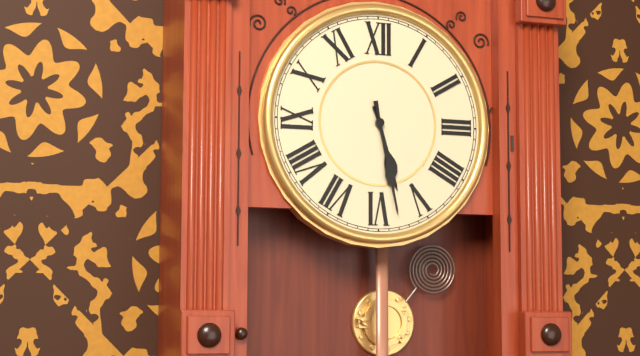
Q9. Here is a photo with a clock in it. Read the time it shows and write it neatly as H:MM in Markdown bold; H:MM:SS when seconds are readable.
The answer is **5:28**
